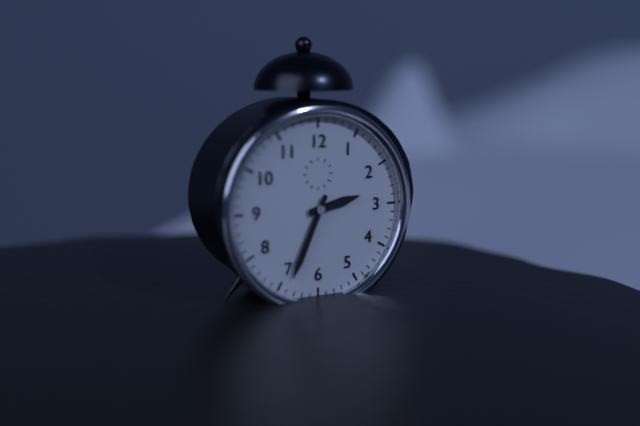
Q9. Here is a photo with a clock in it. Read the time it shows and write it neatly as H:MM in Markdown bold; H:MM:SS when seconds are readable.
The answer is **2:34**
